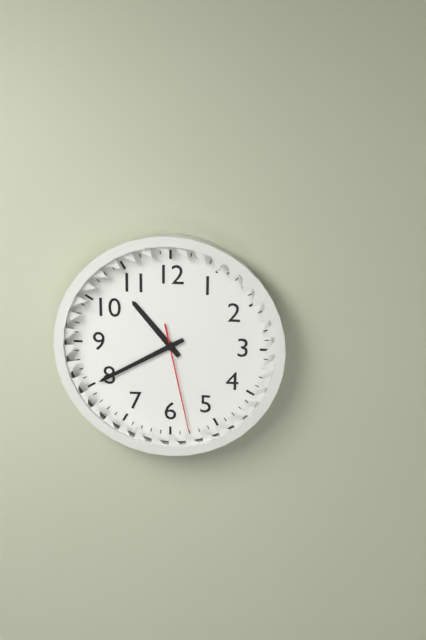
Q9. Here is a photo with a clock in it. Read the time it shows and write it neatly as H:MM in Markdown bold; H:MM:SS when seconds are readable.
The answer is **10:40:28**
